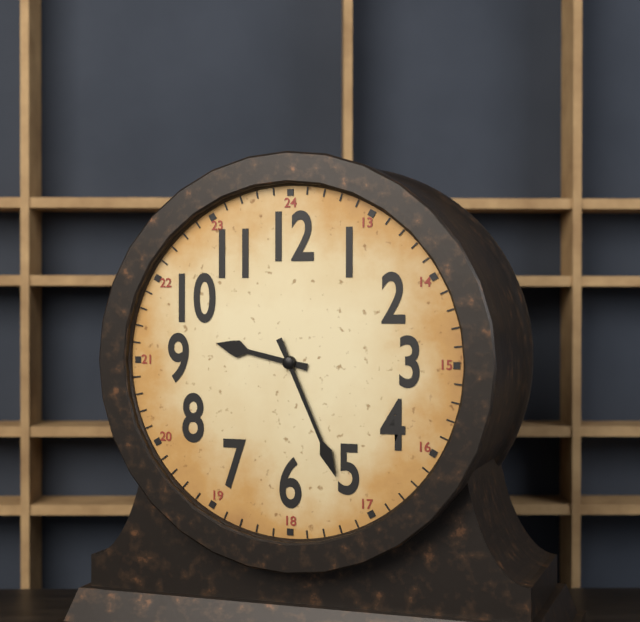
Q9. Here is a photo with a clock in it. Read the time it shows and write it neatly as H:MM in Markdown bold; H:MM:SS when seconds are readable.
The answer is **9:26**
